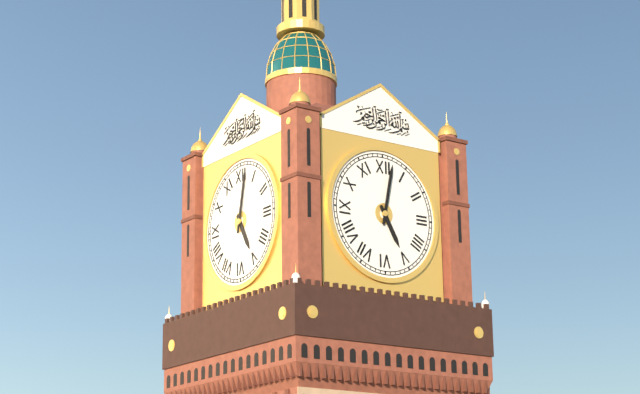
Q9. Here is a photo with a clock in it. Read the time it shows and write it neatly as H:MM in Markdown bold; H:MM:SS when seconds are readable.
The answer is **5:02**
